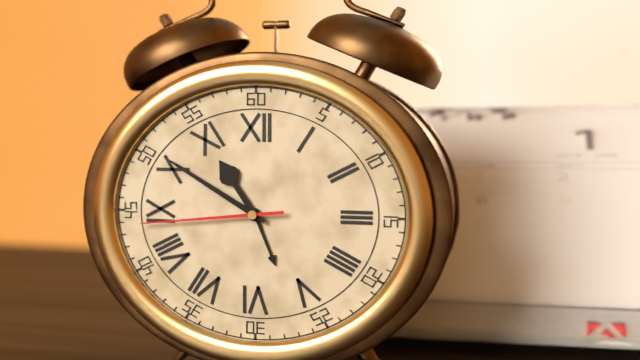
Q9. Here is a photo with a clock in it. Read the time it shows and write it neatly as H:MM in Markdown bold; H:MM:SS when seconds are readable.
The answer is **10:50:44**
